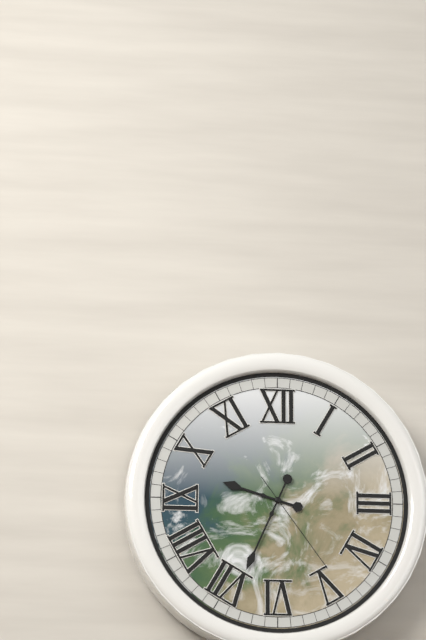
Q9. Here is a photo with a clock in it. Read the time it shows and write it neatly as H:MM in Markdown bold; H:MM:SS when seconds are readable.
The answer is **9:34:24**
